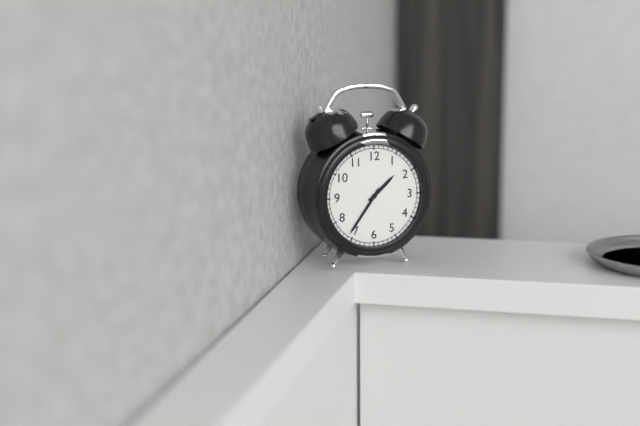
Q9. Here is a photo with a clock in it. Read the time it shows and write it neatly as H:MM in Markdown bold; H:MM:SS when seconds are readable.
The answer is **1:36**
